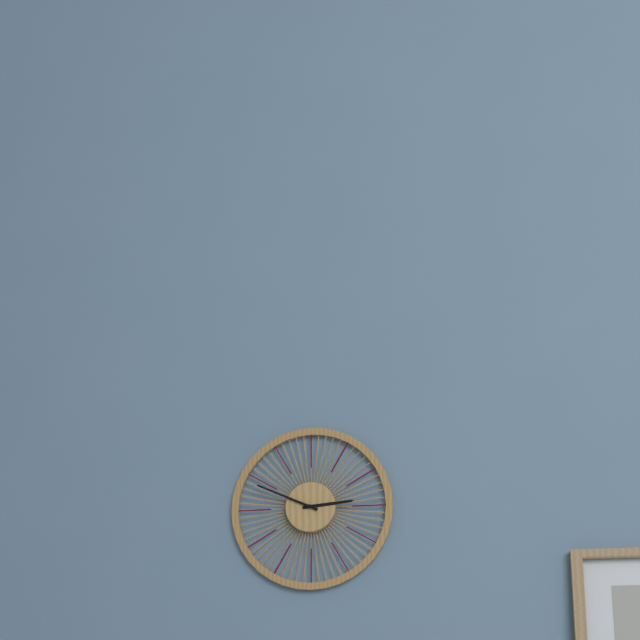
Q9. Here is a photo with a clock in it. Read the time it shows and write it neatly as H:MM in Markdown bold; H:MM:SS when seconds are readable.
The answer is **2:49**
